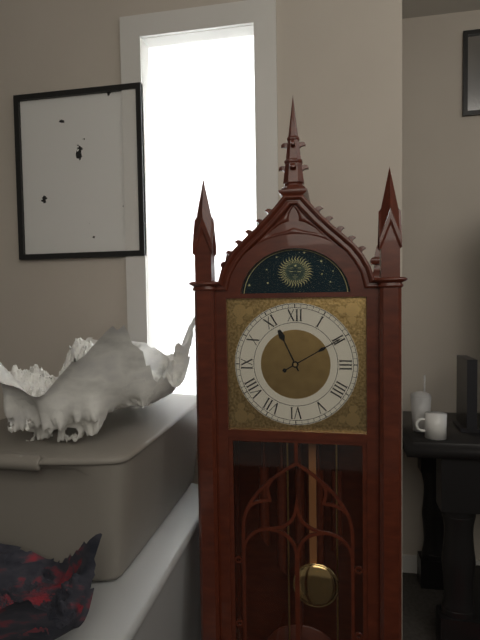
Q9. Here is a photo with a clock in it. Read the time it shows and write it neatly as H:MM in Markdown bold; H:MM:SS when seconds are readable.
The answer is **11:10**
